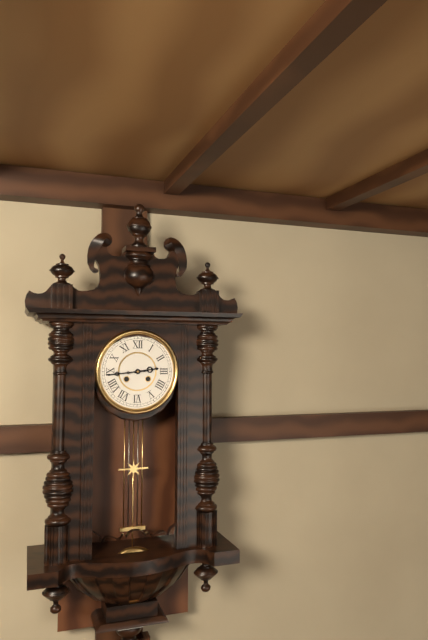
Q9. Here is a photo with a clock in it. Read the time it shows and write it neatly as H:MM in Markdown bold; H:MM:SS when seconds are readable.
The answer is **2:44**
